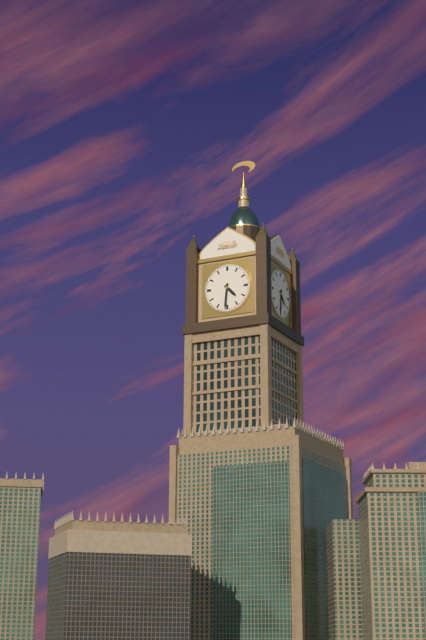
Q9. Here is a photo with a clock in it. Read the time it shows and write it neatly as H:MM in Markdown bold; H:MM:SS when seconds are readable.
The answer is **4:31**
